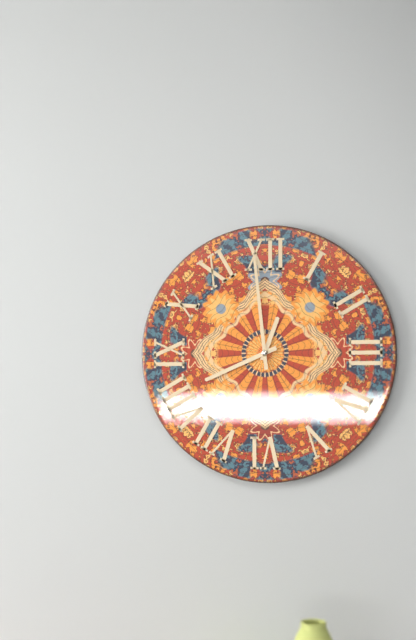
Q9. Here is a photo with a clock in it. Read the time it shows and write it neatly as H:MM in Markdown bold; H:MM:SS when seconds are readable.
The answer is **12:41:59**
